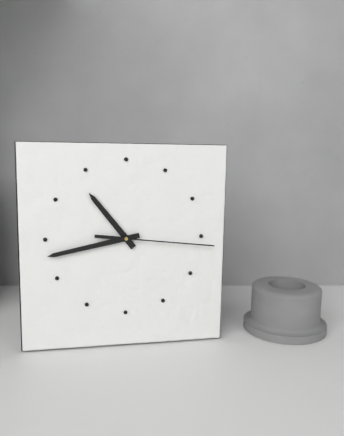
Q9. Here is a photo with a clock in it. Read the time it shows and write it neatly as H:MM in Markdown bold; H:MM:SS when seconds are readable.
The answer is **10:43:16**
